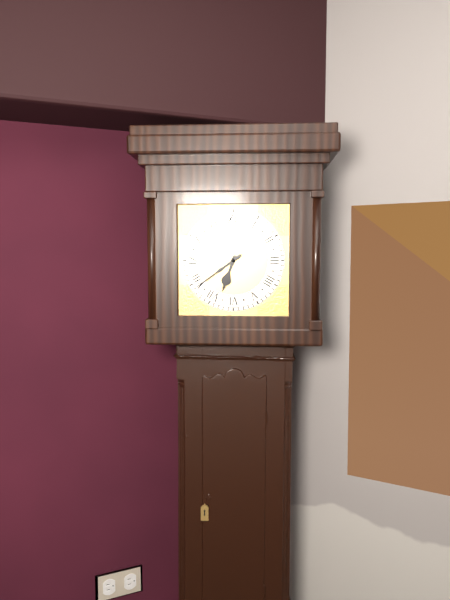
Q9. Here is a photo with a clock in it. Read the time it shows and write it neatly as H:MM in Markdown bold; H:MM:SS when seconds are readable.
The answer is **6:39**
